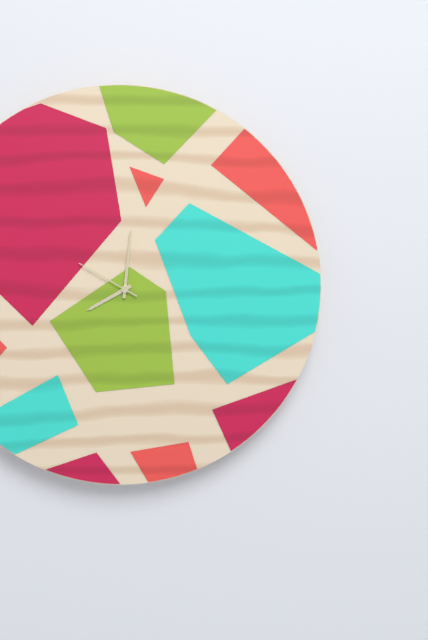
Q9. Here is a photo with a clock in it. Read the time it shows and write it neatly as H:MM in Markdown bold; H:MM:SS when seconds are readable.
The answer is **8:01:50**
